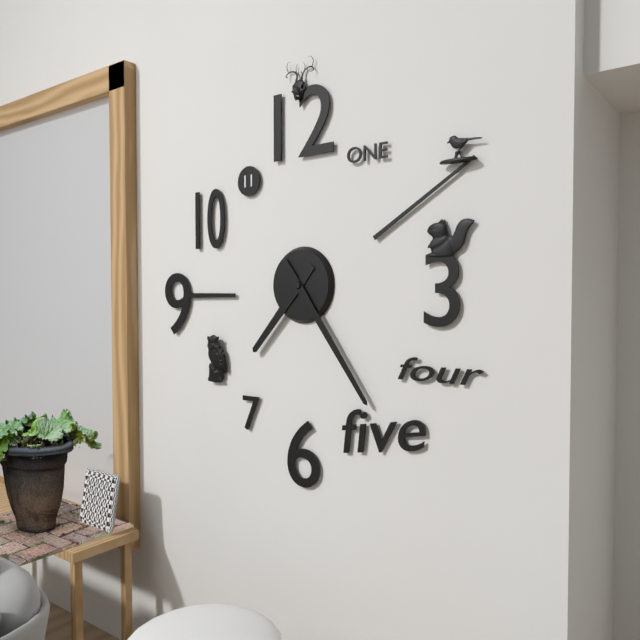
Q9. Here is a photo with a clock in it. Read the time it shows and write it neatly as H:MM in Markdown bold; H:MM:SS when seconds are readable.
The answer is **7:24**
